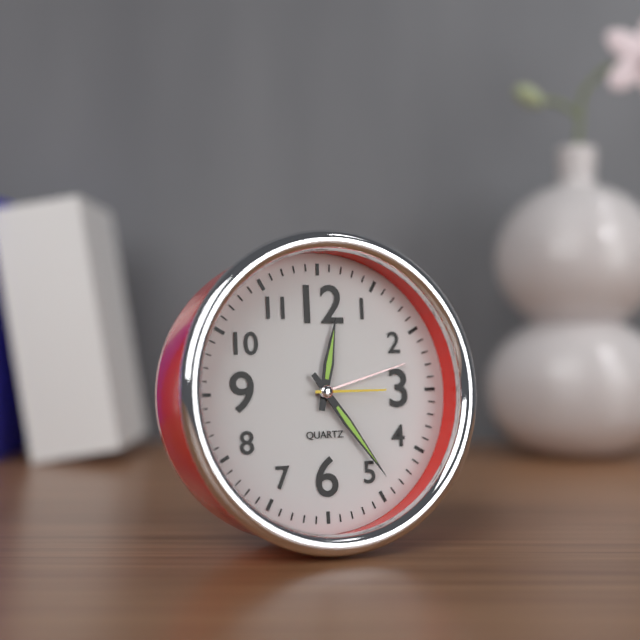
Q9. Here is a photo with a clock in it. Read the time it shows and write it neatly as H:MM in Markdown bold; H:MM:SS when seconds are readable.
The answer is **12:24:15**
